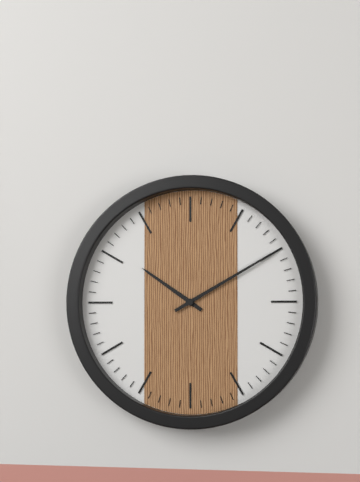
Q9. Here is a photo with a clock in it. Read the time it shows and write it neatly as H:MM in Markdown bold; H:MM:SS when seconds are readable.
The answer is **10:10**
